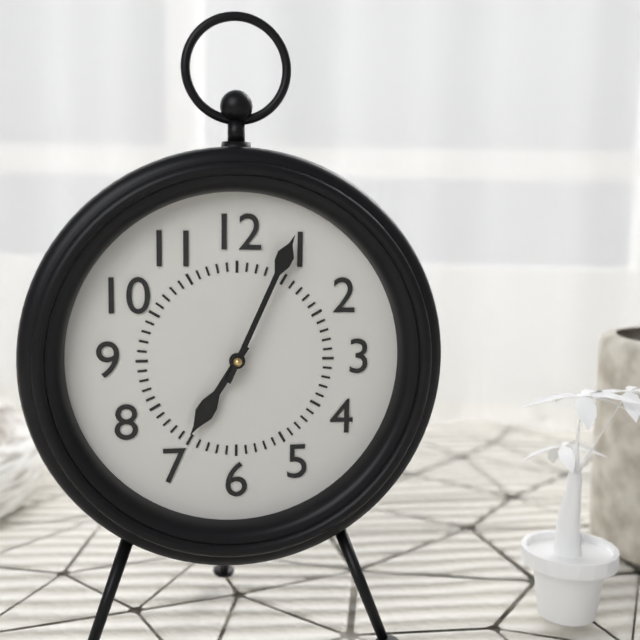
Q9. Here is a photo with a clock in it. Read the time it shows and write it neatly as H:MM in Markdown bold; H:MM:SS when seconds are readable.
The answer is **7:04**
